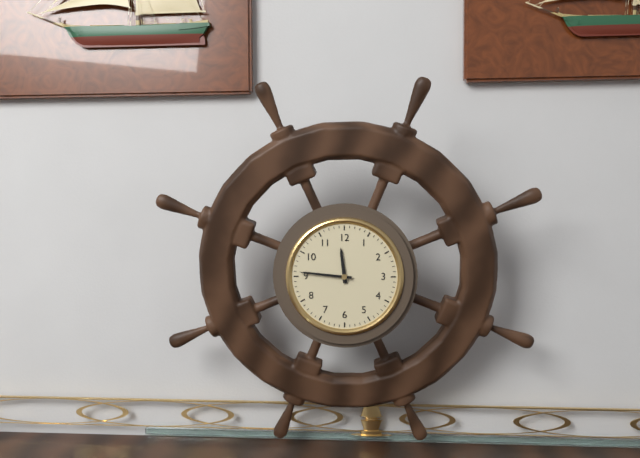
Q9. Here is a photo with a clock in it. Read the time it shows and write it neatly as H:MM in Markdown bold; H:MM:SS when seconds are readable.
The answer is **11:46**
